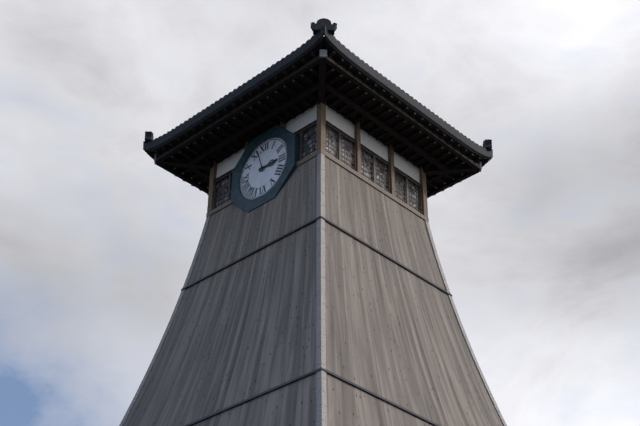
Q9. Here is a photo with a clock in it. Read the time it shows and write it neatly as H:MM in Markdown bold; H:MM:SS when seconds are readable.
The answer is **2:57**
